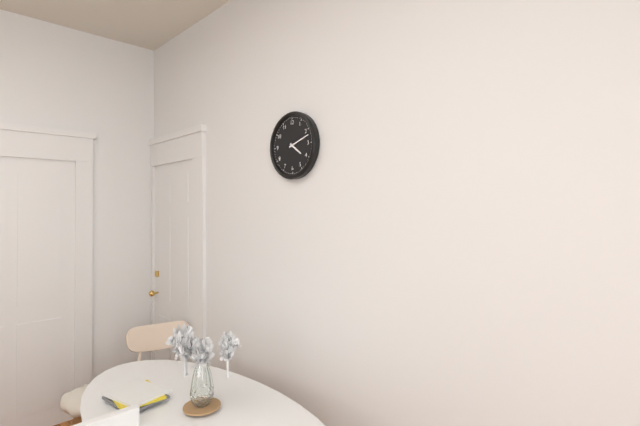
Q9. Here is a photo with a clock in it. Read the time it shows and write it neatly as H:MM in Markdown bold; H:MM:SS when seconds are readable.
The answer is **4:12**
